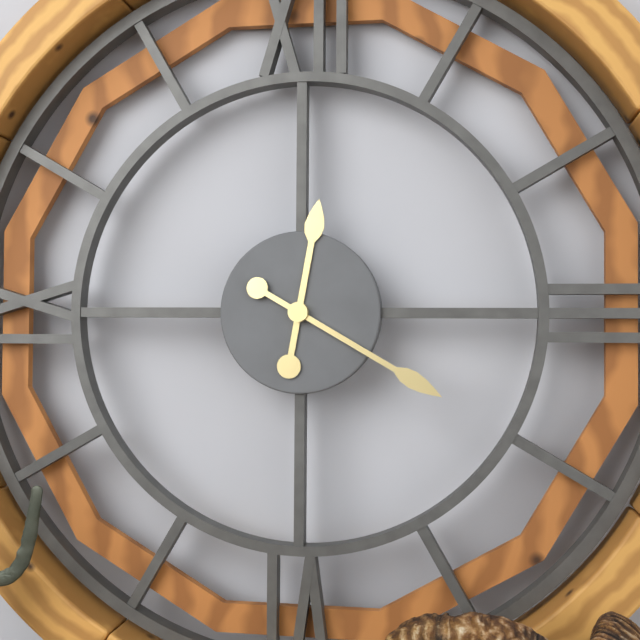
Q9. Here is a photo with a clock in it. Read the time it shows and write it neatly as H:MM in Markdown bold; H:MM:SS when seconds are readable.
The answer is **12:20**
